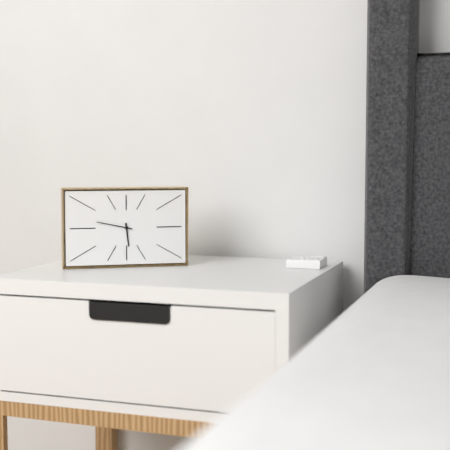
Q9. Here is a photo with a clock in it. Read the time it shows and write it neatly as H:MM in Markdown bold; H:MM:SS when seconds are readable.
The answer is **5:47**
